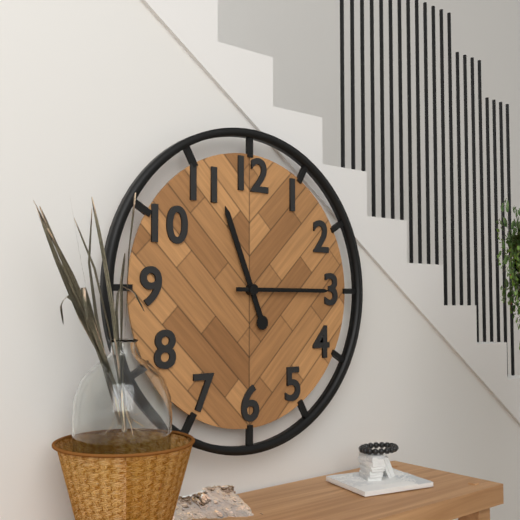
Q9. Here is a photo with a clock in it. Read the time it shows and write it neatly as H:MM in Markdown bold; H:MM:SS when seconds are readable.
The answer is **11:15**
